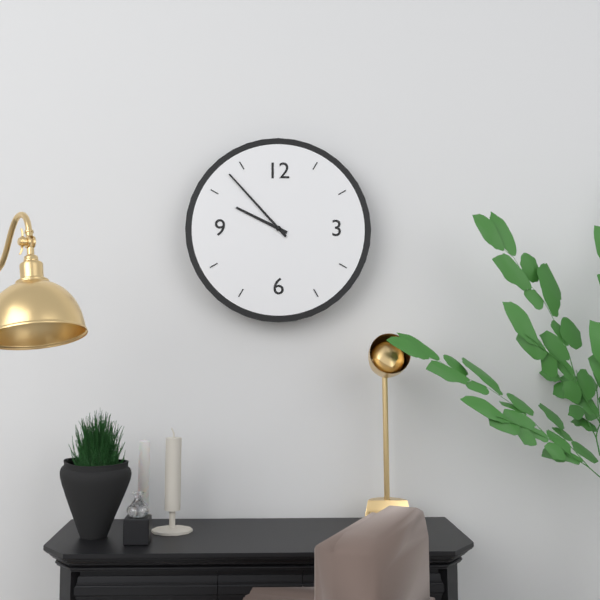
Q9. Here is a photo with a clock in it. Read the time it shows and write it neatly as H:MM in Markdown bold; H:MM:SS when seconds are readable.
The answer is **9:53**
